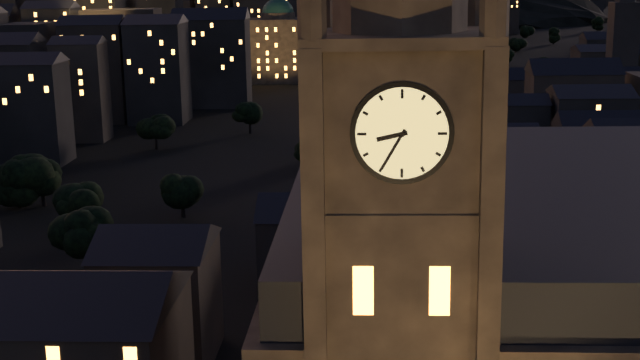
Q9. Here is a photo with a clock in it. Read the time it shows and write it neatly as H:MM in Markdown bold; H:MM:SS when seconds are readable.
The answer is **8:35**
